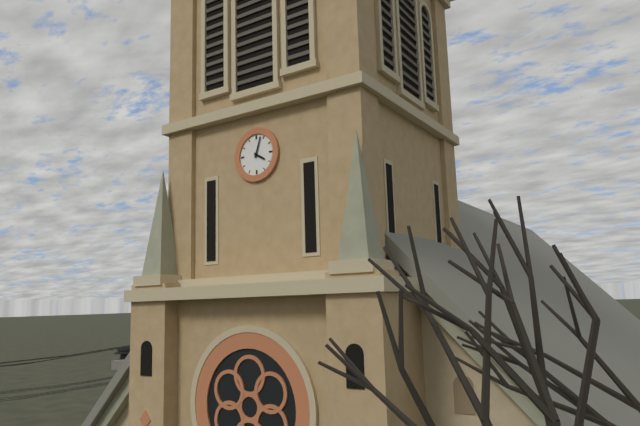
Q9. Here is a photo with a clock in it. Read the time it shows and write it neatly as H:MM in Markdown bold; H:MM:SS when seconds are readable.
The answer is **4:03**
